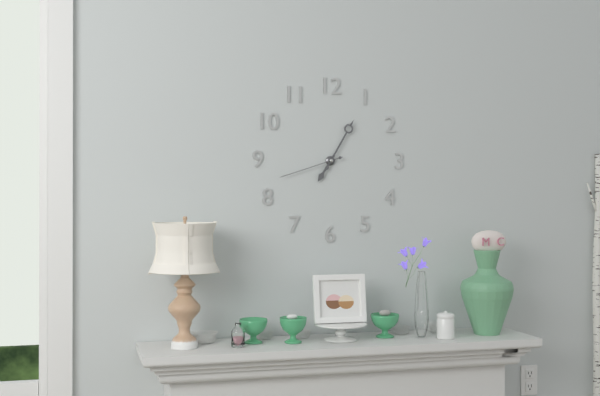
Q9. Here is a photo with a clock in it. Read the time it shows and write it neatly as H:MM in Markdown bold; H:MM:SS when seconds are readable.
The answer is **7:05:42**
